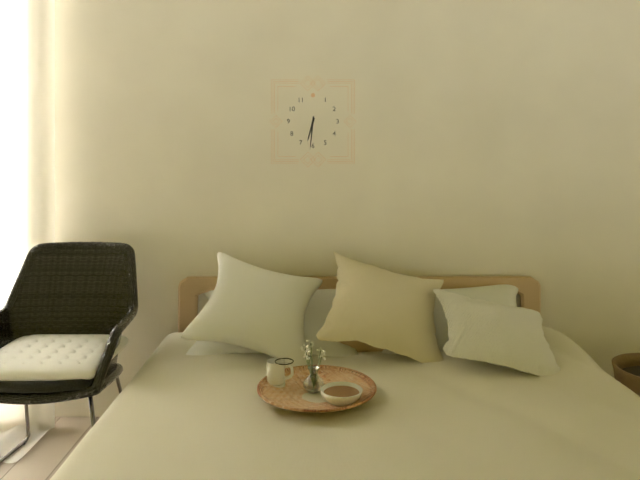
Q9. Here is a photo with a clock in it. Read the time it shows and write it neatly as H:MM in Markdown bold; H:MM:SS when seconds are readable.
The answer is **6:31**
